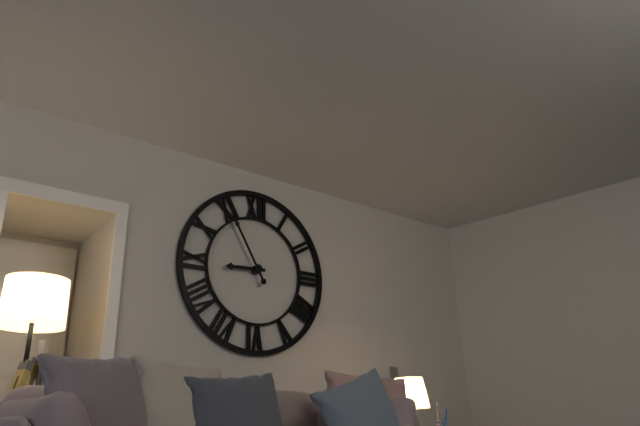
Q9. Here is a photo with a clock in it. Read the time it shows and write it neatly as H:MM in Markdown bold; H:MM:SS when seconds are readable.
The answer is **8:55**
